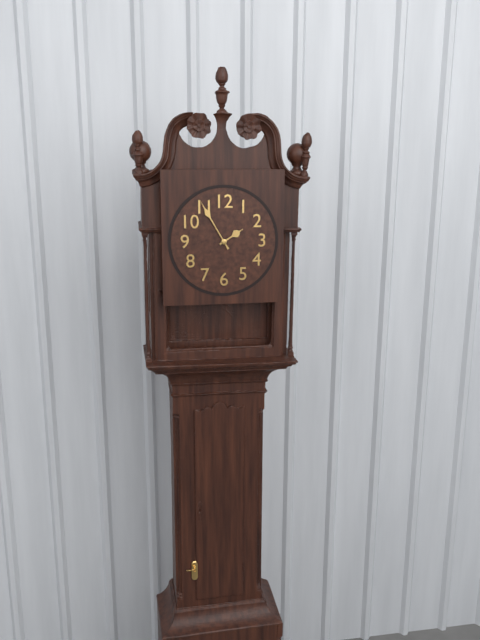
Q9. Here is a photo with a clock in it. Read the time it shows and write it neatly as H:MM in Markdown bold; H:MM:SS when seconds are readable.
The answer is **1:55**
